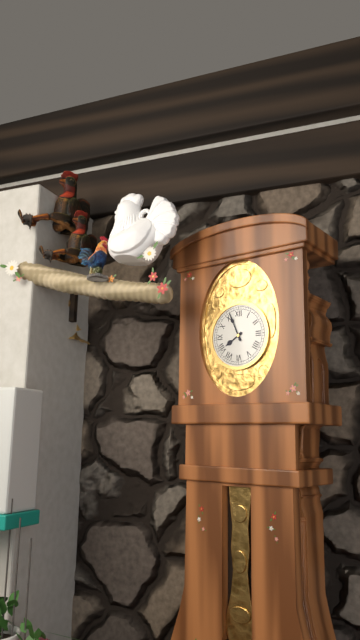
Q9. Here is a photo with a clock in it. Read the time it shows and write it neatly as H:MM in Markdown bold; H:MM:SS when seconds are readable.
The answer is **7:56**
